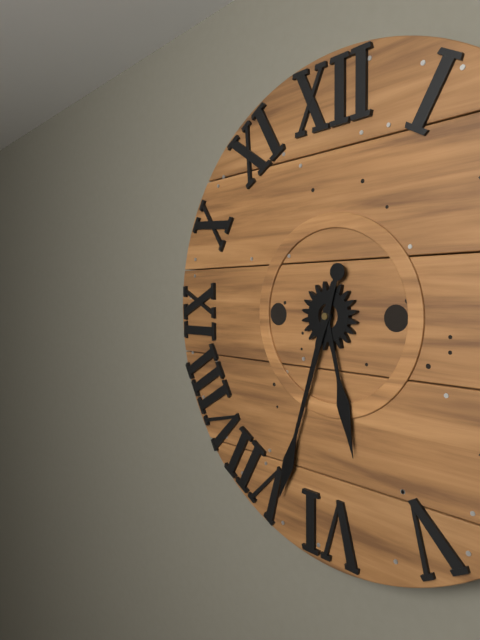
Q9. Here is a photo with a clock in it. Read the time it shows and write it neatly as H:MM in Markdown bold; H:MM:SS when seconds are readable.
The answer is **5:33**
